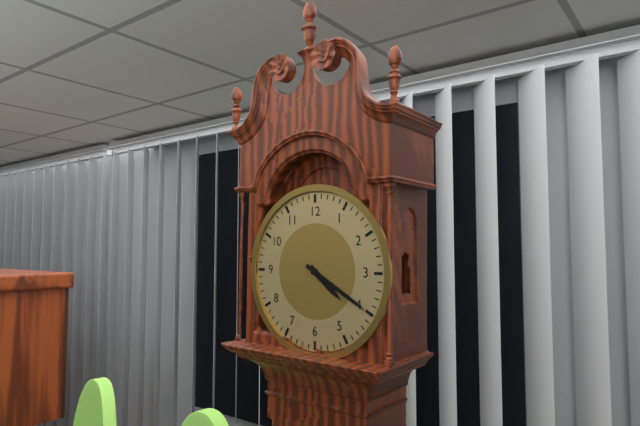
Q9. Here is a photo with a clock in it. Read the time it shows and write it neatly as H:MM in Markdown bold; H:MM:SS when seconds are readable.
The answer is **4:20**
